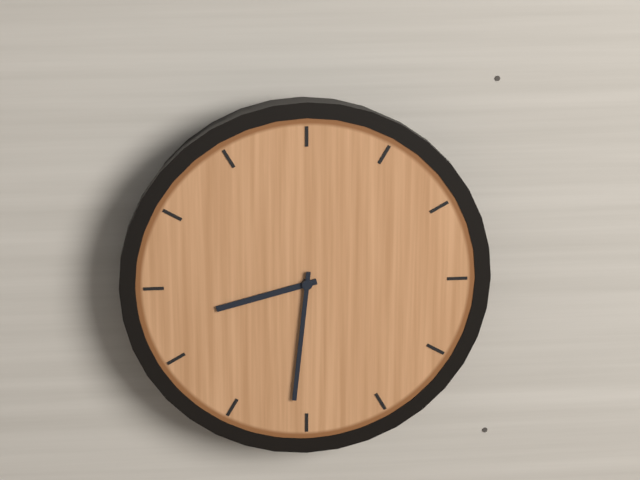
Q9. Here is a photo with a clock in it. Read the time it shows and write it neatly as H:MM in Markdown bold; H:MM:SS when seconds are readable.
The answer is **8:31**
